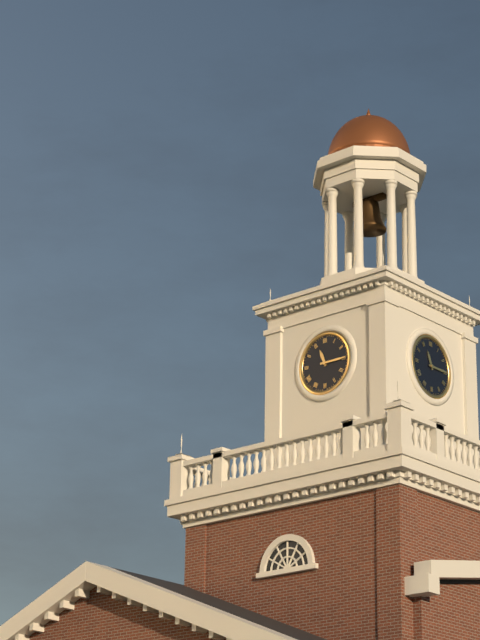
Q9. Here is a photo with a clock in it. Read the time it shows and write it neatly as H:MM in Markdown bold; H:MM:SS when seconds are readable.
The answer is **11:15**
